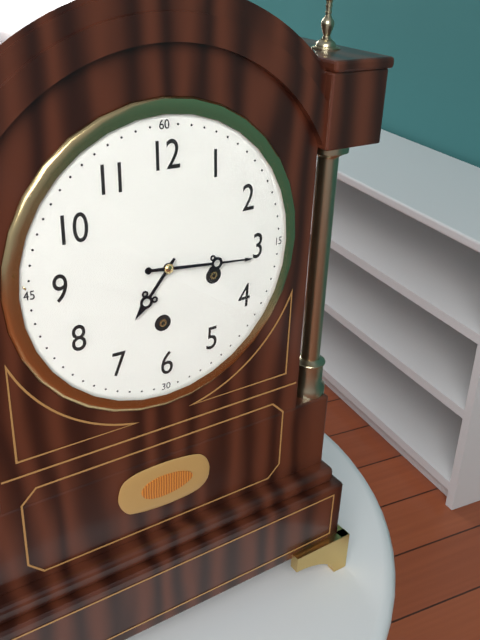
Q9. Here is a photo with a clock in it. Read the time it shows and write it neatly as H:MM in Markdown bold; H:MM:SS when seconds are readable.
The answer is **7:16**
